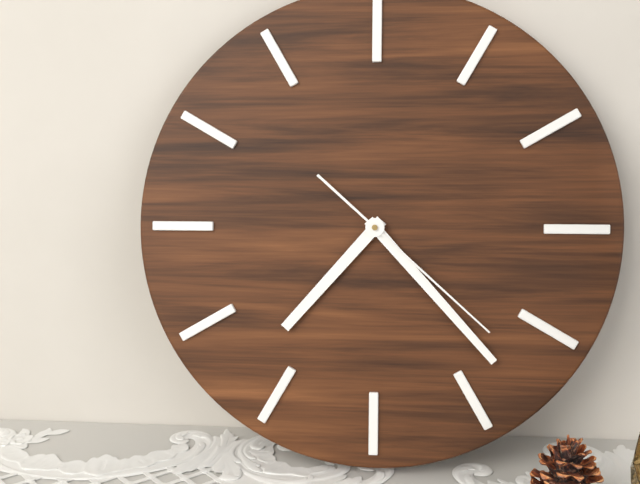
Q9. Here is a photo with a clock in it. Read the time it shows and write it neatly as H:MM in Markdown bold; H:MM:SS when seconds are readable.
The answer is **7:23:22**
